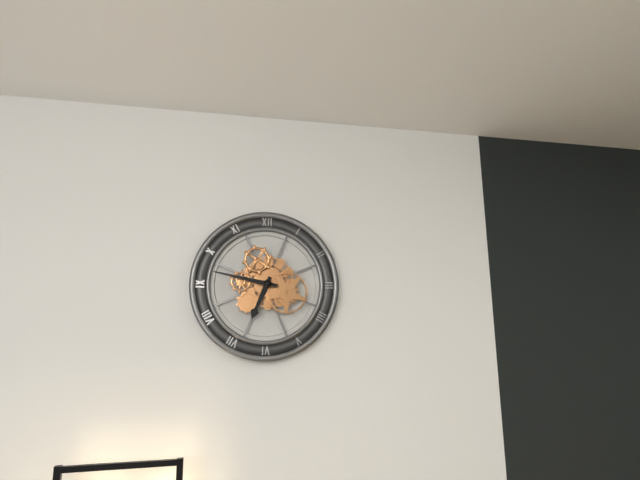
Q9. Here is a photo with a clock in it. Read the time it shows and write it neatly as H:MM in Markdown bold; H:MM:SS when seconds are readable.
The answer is **6:47**
